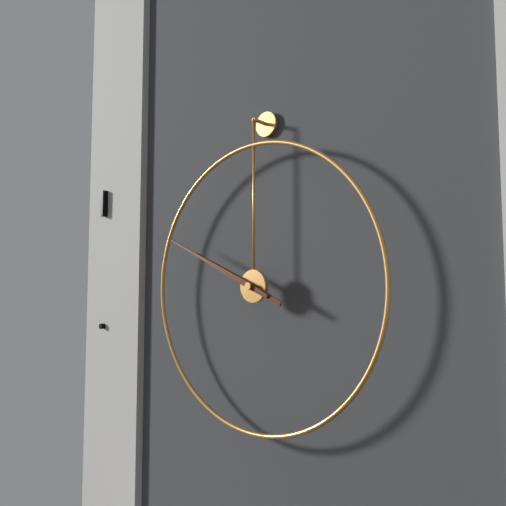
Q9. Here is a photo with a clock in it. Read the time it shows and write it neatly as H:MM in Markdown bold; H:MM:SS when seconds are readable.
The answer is **9:49**
